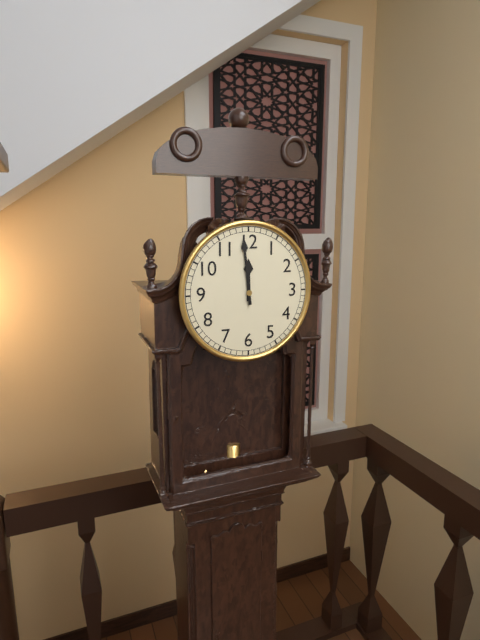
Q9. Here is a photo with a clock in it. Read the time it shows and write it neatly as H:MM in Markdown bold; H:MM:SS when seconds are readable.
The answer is **11:59**
